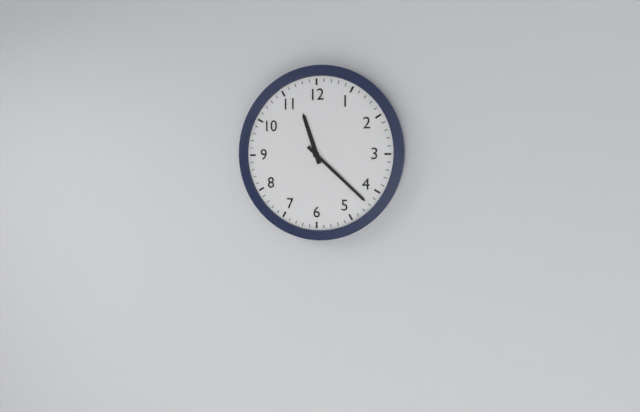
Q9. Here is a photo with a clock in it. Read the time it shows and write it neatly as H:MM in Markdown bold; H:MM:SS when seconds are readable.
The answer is **11:22**
